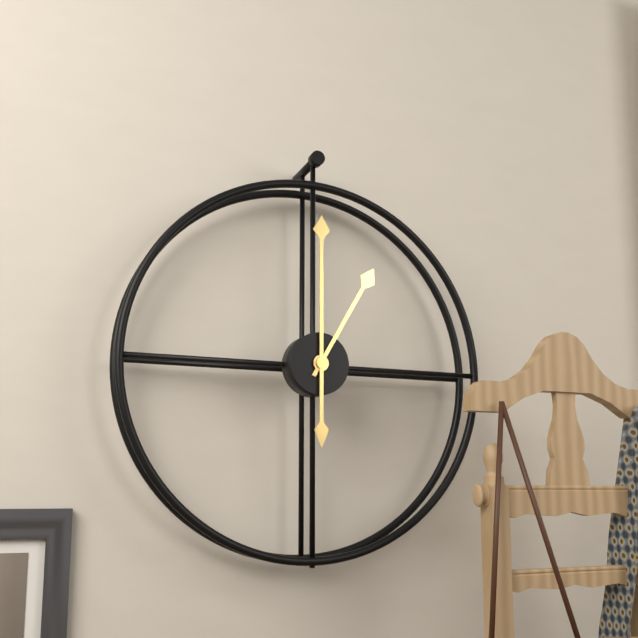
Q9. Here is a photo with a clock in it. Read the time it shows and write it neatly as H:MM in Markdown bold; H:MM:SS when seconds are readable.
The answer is **1:00**
